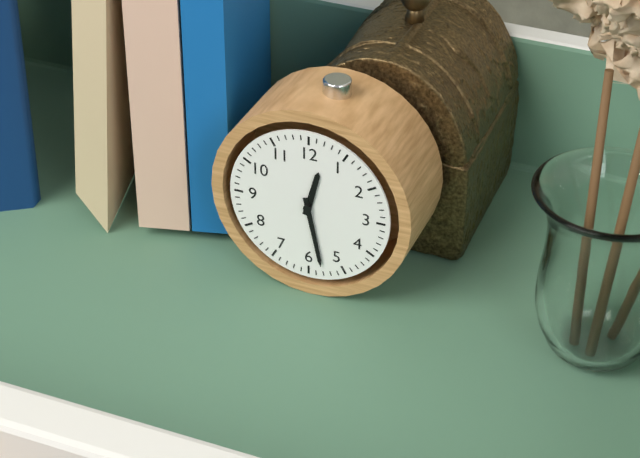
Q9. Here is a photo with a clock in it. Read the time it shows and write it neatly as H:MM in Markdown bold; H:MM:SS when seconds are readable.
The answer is **12:28**
